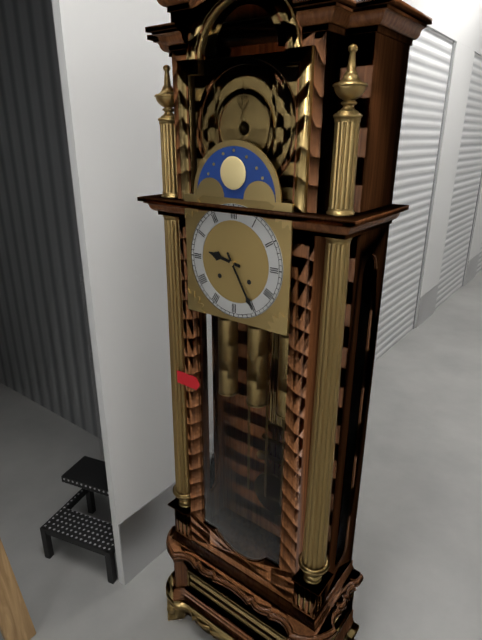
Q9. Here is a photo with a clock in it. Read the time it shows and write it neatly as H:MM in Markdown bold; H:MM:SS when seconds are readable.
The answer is **9:25**
